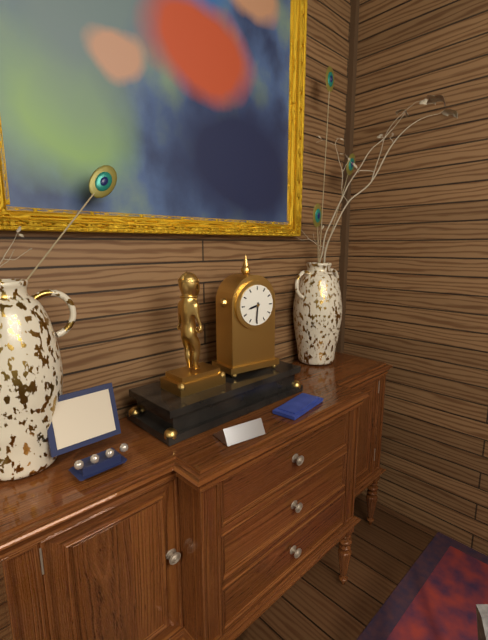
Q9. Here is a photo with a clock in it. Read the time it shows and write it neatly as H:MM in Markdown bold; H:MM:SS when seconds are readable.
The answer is **8:31**
